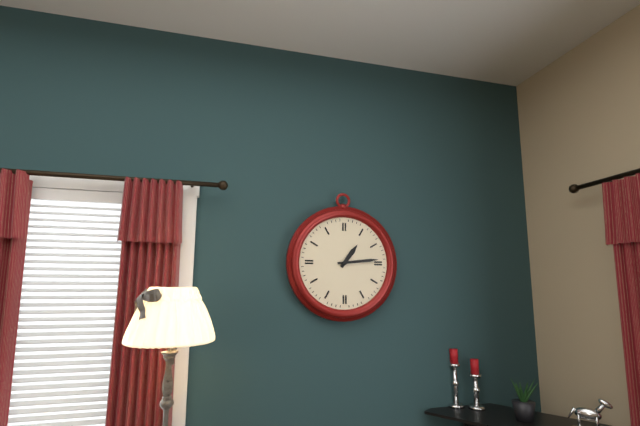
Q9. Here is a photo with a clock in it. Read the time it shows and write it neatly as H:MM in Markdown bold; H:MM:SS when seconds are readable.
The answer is **1:14**
